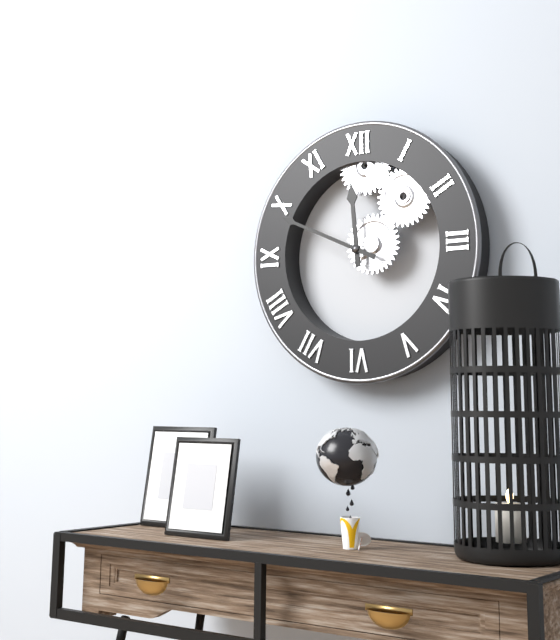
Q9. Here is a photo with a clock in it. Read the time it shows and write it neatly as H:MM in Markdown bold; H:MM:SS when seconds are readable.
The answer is **11:49**
